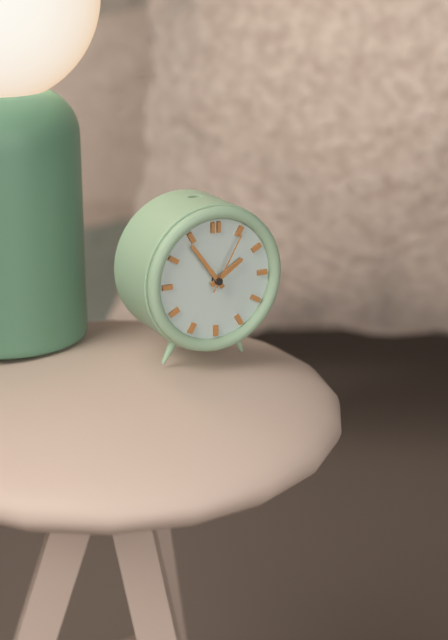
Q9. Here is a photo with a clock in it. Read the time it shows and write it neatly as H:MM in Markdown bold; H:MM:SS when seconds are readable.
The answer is **1:54:05**
